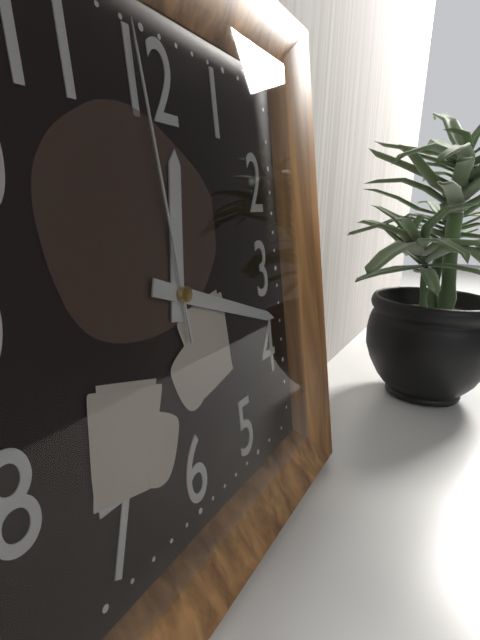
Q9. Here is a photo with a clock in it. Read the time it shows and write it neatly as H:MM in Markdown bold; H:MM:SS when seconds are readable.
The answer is **12:18:59**
